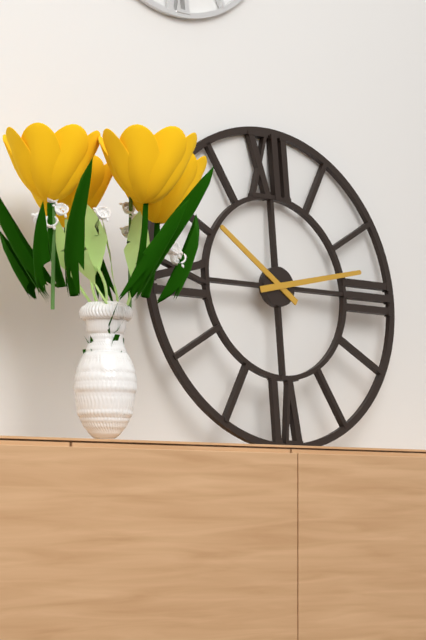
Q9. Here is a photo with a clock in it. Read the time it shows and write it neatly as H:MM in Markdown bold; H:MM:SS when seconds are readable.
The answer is **10:13**
